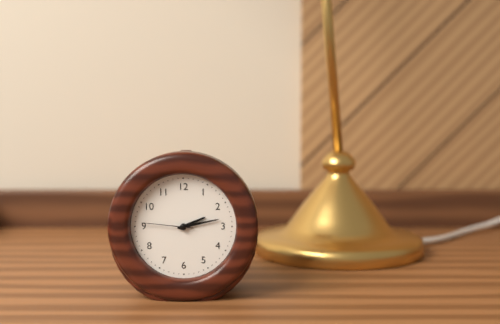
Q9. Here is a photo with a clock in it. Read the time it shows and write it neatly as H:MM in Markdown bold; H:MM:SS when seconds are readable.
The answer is **2:13:46**
